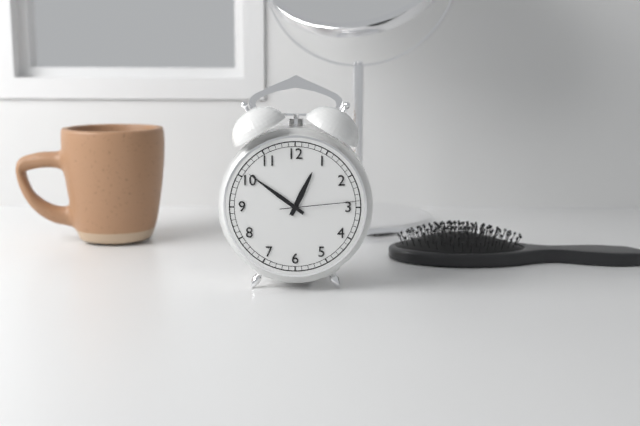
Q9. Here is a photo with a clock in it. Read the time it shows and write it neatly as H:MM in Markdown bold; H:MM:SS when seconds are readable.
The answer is **12:51:14**
